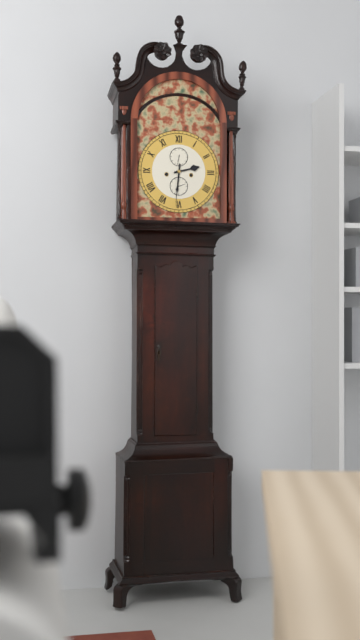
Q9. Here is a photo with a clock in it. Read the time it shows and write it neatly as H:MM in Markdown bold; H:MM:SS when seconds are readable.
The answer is **2:31**
